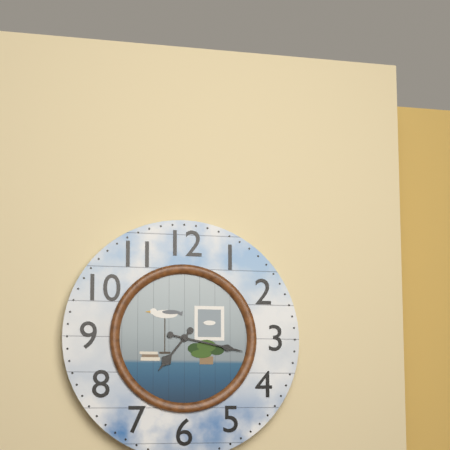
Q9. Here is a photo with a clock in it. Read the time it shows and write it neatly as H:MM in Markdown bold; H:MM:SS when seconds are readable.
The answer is **7:17**
